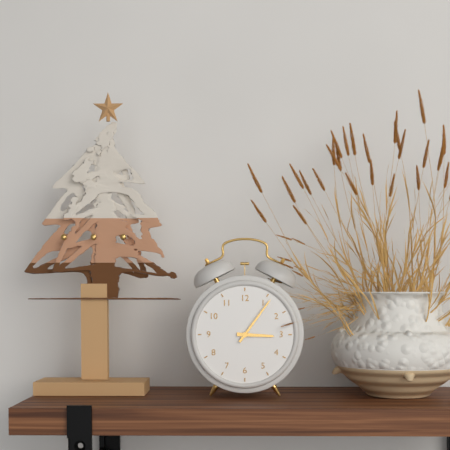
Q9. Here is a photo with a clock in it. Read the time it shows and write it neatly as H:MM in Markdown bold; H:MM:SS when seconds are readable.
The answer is **3:06**
